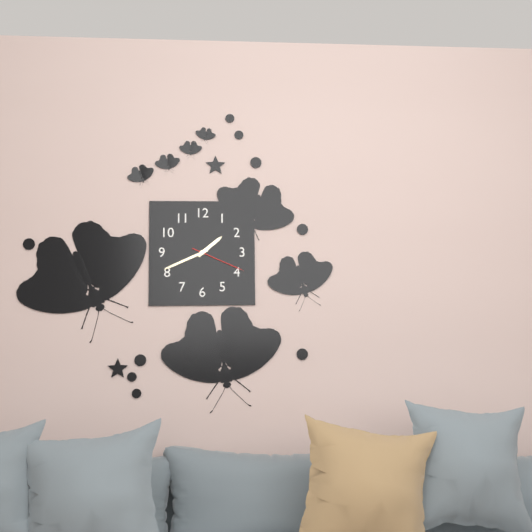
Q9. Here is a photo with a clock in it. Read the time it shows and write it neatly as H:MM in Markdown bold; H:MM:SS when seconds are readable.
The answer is **1:41:19**
